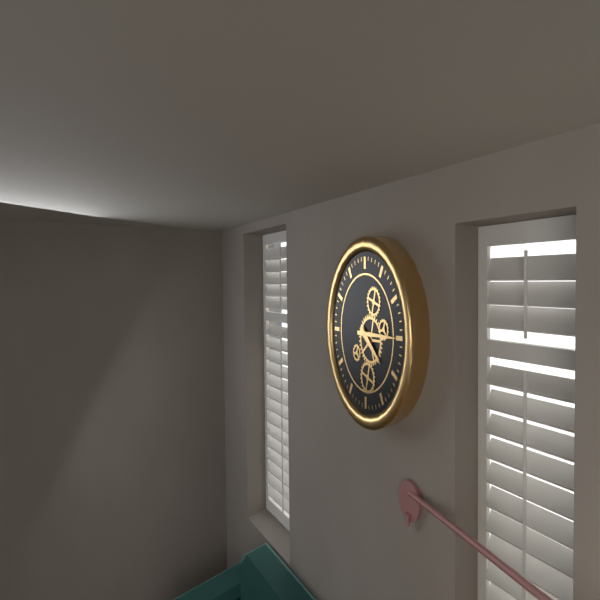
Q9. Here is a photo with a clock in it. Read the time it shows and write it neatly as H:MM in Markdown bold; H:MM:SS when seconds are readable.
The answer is **4:15**
